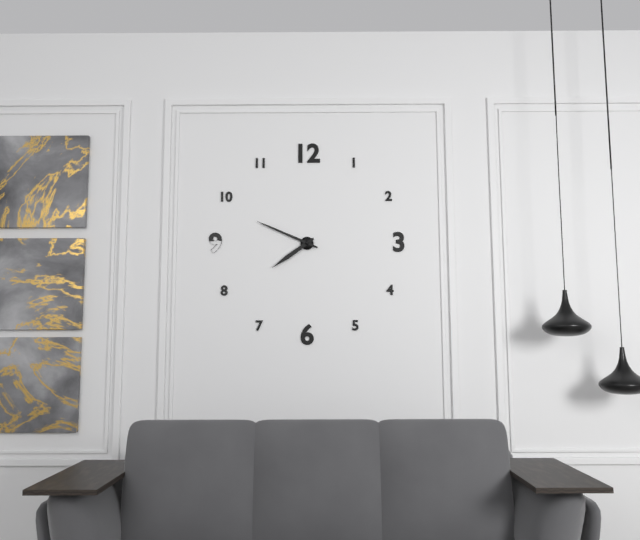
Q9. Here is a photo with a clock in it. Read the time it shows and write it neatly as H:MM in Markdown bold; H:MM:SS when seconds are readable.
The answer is **7:49**
